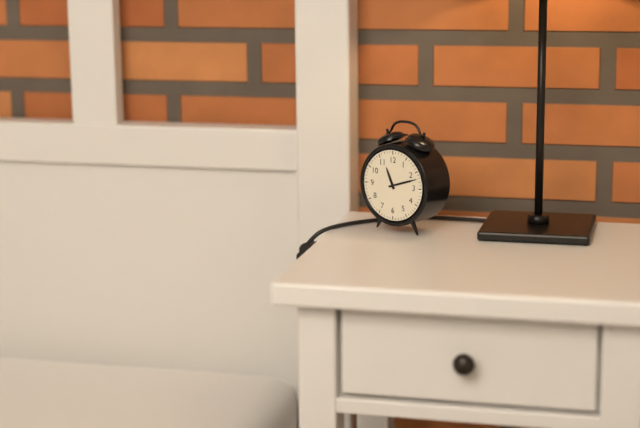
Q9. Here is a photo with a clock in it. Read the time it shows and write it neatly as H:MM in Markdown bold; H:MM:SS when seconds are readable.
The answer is **11:12**
